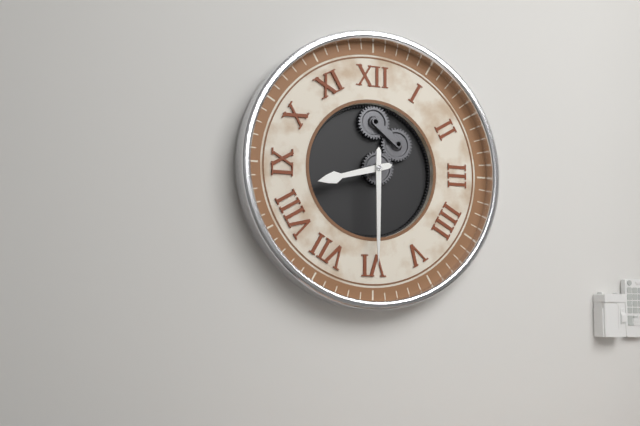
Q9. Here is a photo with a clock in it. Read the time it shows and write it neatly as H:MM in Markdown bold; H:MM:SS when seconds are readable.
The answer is **8:30**
